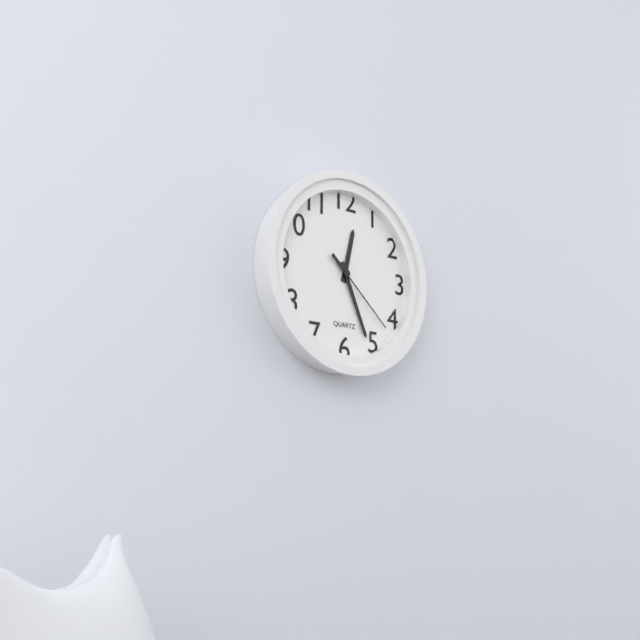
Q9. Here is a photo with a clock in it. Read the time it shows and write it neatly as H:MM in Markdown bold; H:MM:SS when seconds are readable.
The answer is **12:26:22**
